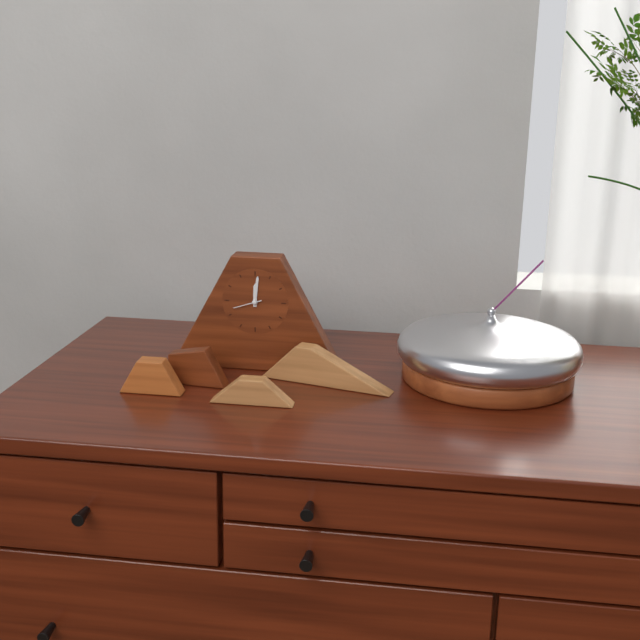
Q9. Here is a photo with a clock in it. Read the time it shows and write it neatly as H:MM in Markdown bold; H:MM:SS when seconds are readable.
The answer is **12:01**
